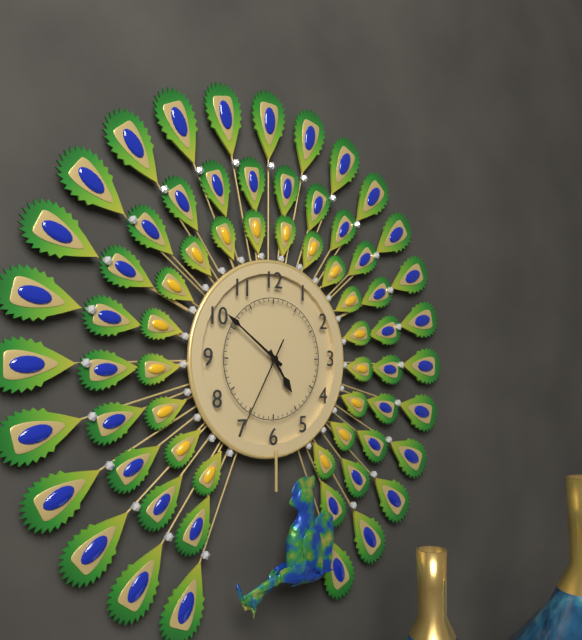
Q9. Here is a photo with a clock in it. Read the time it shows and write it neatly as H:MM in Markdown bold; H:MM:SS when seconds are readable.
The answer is **4:51:35**
